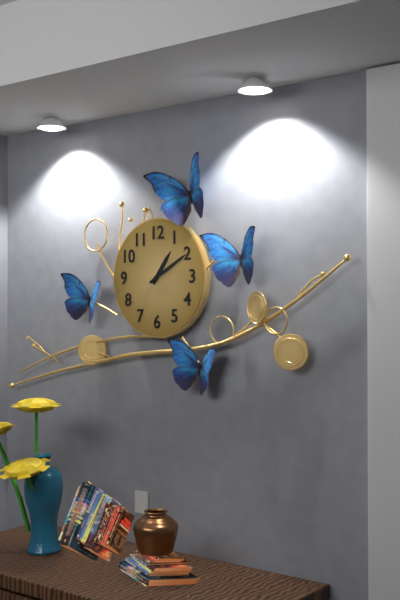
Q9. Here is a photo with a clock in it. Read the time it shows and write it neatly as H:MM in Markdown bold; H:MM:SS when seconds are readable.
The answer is **1:10**
